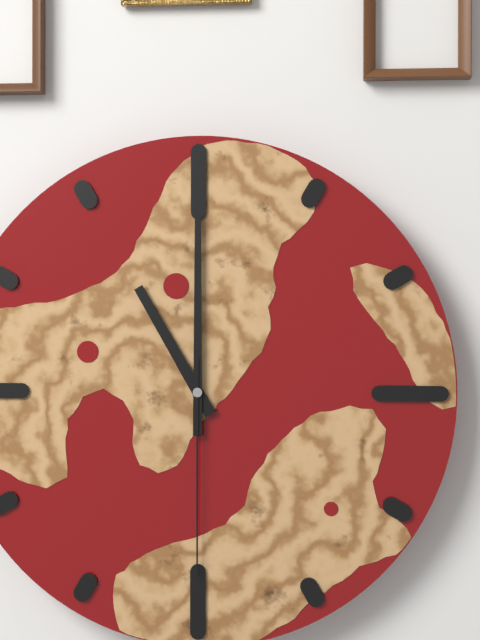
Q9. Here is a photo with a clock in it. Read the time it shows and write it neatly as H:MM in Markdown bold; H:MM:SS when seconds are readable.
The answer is **11:00:30**
